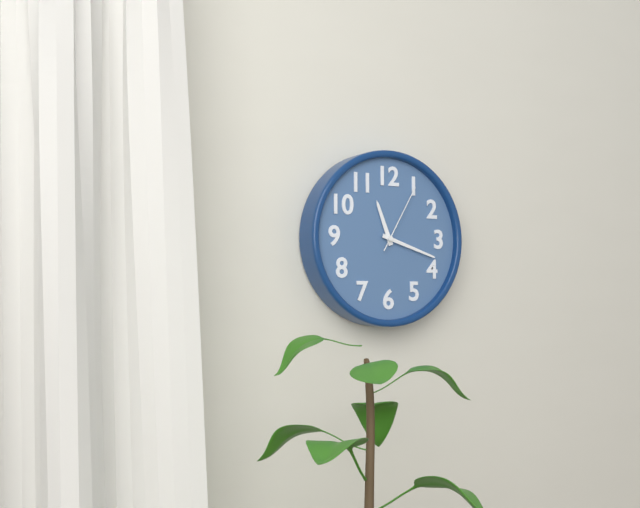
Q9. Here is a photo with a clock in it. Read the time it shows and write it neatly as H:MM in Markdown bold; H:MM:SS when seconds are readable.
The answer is **11:18:05**
